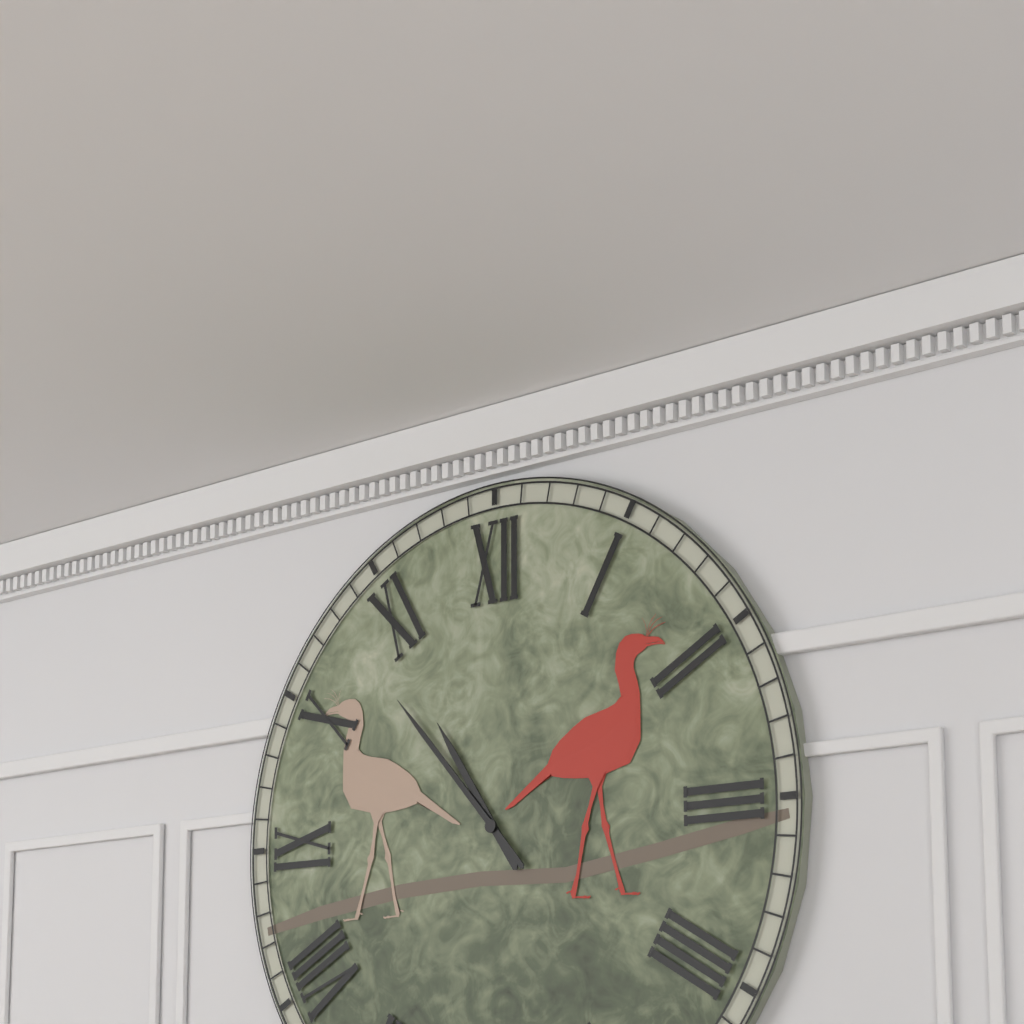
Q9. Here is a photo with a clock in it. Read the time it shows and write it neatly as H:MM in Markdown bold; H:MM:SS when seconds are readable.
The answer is **10:53**
